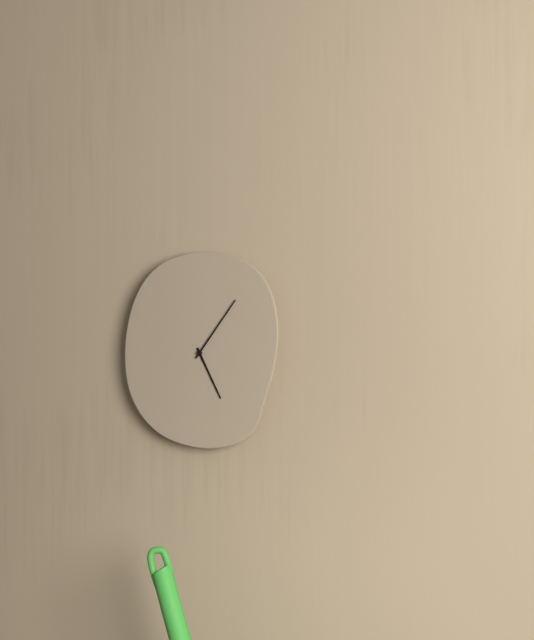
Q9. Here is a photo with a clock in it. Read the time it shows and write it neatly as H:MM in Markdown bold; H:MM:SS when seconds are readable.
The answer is **5:06**
